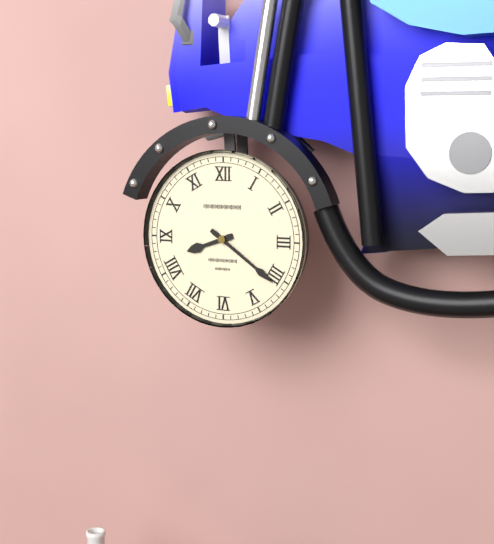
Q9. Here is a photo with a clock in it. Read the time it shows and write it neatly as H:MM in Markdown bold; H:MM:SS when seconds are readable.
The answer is **8:21**
